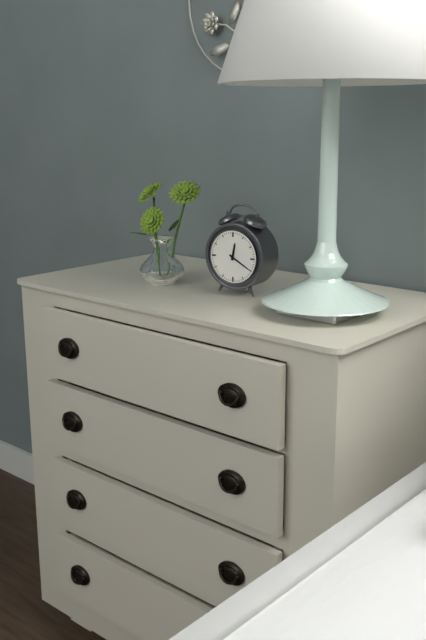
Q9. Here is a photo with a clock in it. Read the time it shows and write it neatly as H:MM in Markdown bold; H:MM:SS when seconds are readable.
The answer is **12:20**
